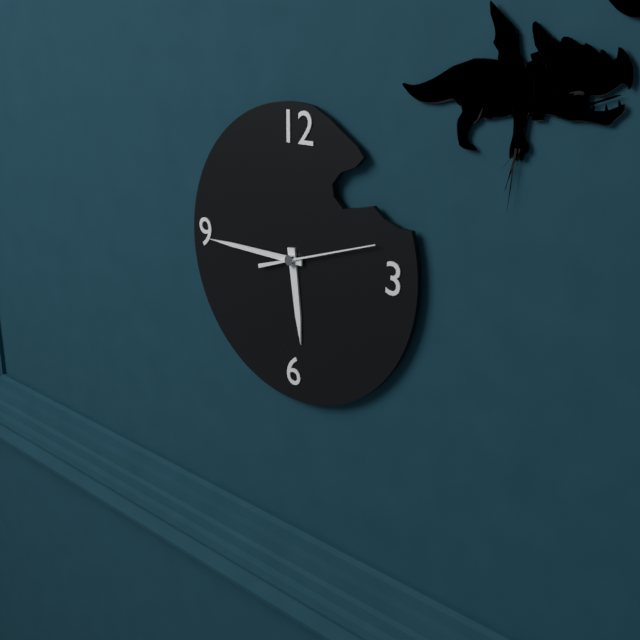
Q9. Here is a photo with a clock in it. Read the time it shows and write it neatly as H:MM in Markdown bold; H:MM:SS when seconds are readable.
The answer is **5:45:12**
